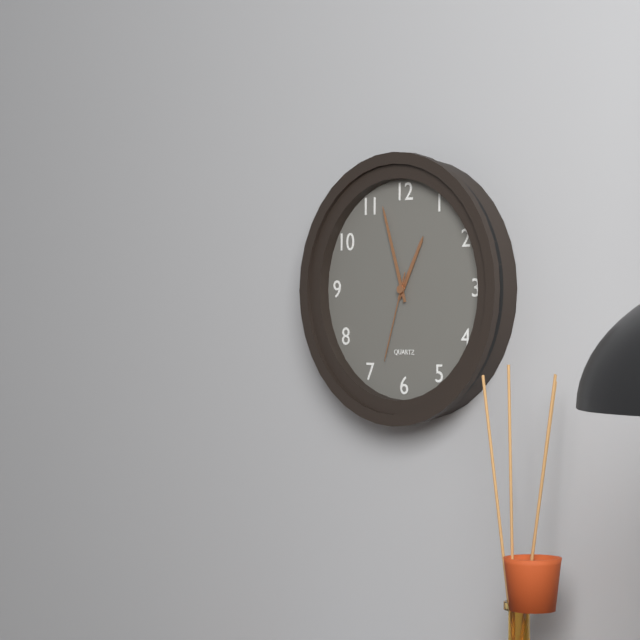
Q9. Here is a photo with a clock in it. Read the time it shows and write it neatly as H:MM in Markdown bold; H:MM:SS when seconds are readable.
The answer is **12:57:33**
